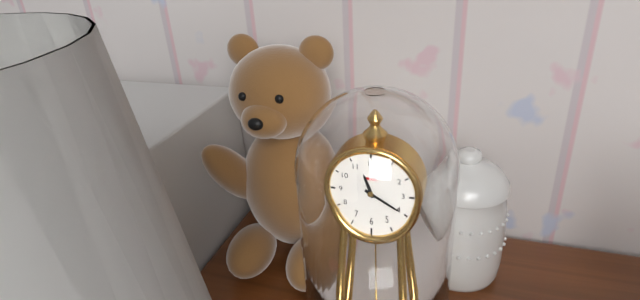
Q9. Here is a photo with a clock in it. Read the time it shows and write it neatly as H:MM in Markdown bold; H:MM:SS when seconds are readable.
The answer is **11:20**
